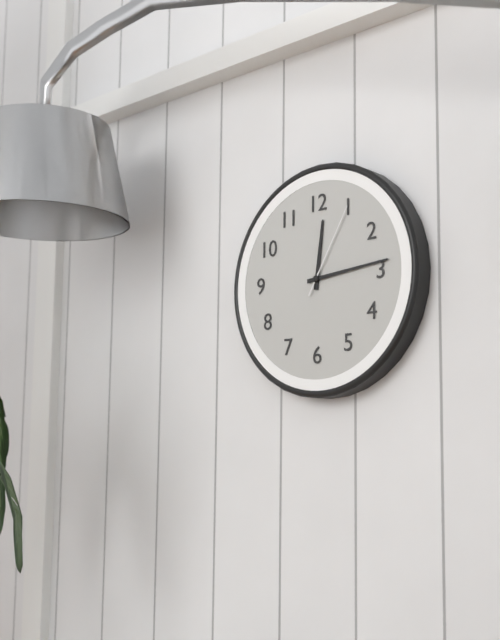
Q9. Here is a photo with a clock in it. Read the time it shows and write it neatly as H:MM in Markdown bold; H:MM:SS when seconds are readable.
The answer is **12:14:05**
